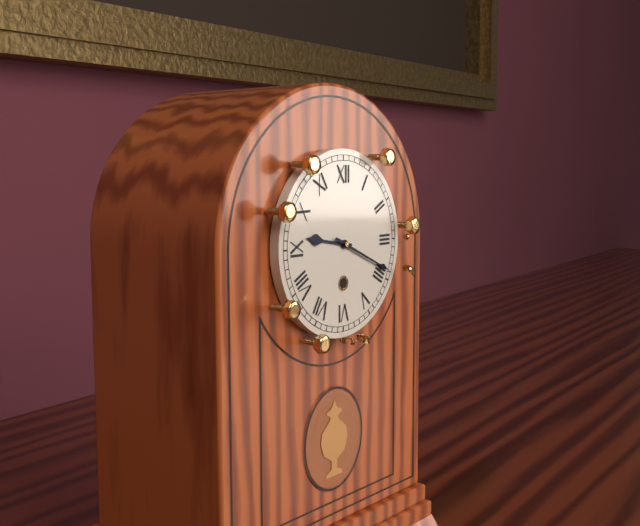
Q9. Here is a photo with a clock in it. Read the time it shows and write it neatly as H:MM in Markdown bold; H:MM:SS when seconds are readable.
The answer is **9:19**
